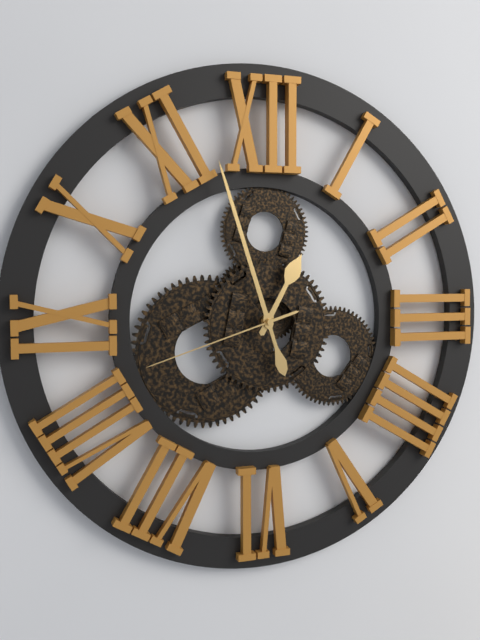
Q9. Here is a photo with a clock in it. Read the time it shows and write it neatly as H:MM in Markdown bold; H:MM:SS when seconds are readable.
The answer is **12:57:42**
